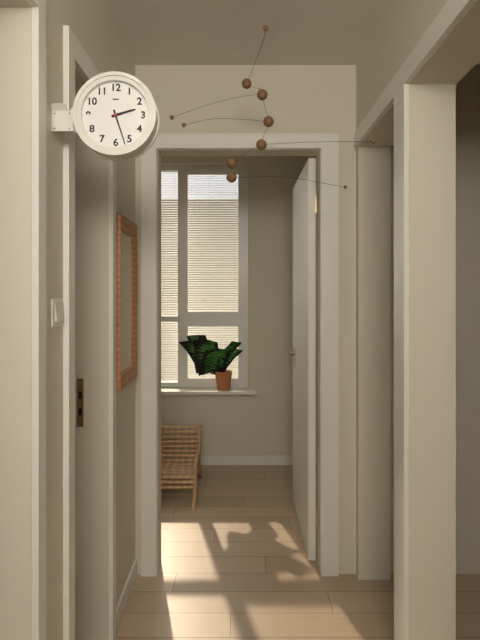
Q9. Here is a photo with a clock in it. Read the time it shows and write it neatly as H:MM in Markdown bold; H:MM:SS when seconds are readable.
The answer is **2:27**
